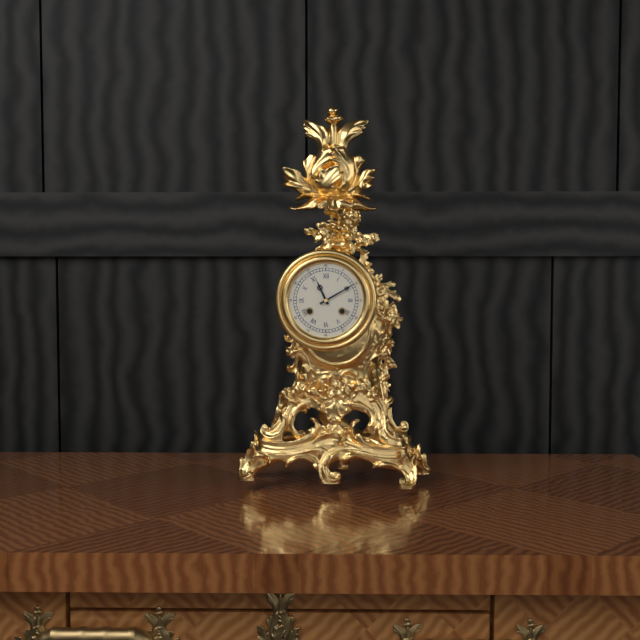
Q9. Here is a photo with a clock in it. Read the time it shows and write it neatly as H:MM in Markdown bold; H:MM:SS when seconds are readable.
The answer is **11:10**
